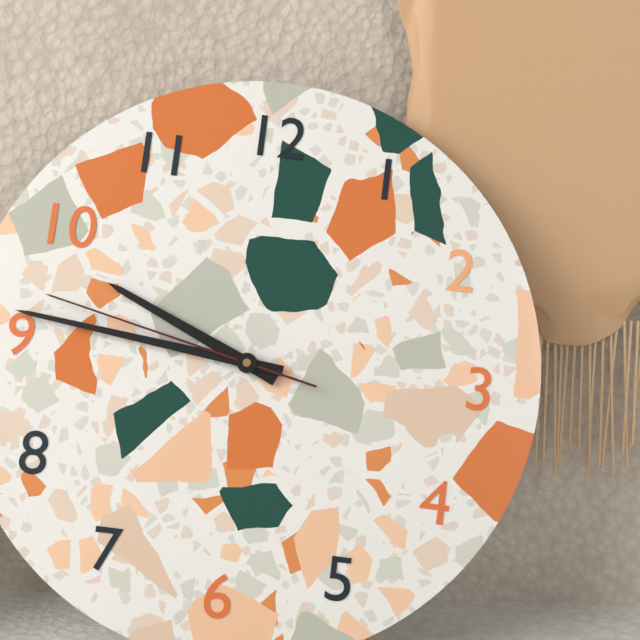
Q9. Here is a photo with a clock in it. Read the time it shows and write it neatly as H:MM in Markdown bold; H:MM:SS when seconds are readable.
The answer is **9:46:47**
